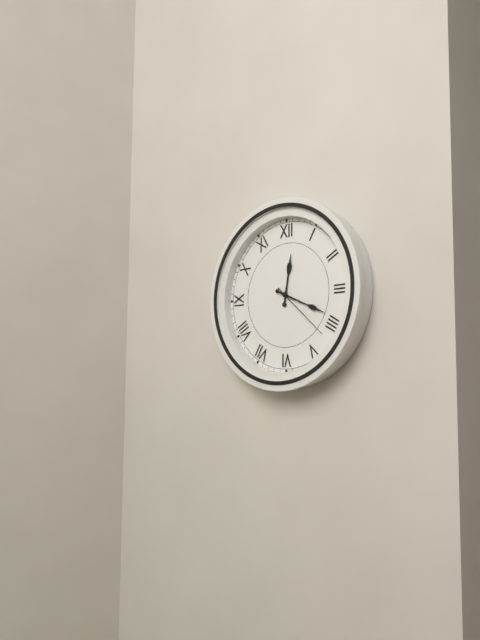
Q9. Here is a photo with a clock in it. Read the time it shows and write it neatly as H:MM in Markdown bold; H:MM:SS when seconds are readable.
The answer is **12:19:22**
